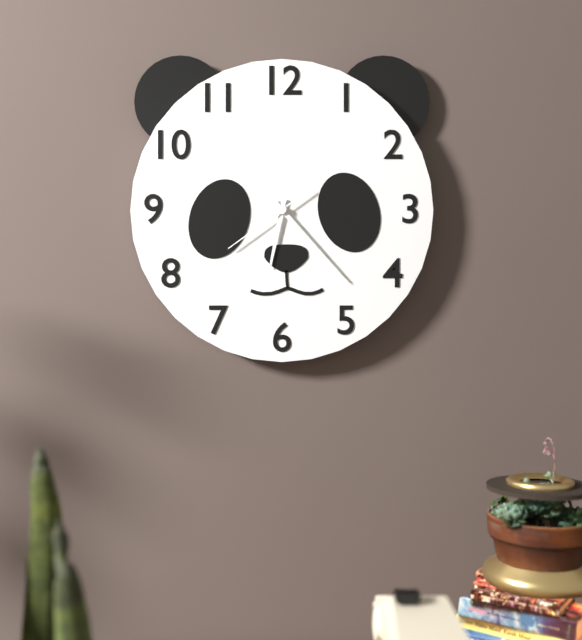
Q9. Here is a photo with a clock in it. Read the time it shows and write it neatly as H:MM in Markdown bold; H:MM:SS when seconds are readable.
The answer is **6:23:39**
